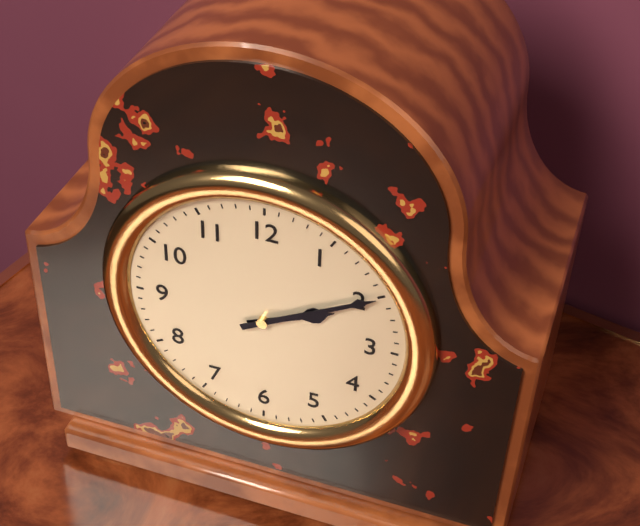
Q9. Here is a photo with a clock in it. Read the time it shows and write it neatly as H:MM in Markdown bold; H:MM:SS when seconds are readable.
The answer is **2:10**
